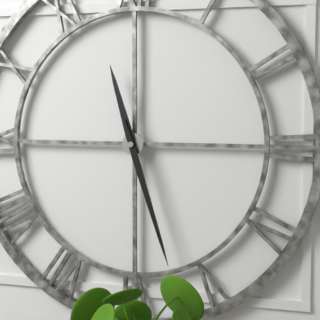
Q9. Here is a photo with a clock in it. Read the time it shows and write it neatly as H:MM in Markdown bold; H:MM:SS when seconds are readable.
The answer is **11:27**
